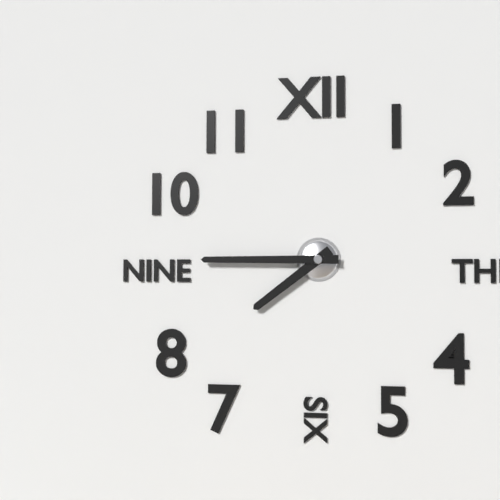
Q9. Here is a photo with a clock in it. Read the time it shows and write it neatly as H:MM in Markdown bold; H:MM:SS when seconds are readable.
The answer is **7:45**
